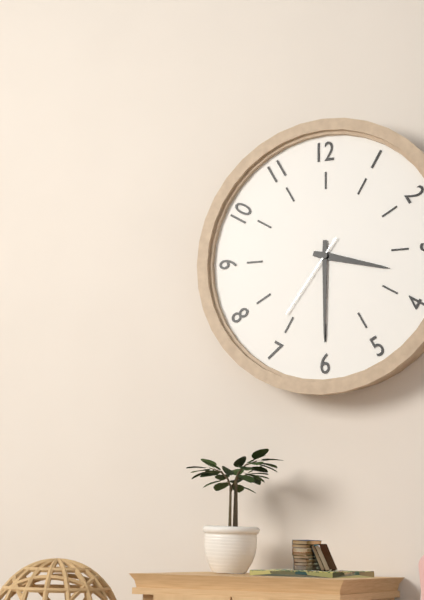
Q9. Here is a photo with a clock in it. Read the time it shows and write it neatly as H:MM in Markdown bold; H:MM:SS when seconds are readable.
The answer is **3:30:36**
